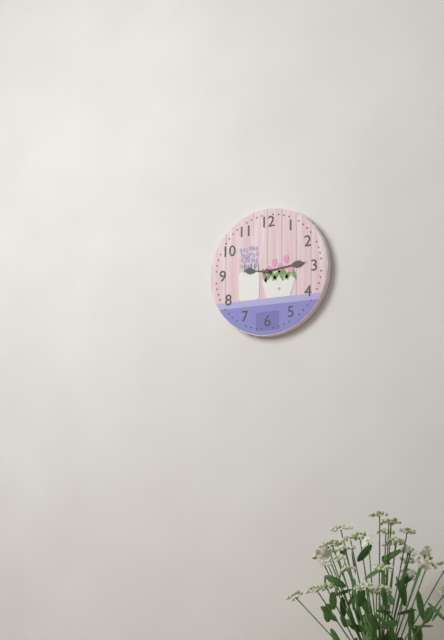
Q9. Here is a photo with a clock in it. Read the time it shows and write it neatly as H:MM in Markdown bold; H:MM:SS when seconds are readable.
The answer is **9:14**
